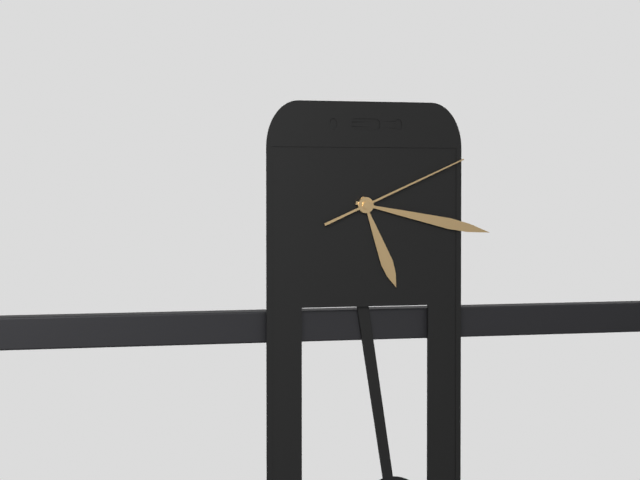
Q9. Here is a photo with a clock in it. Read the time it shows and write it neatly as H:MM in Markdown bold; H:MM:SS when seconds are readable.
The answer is **5:17:11**
